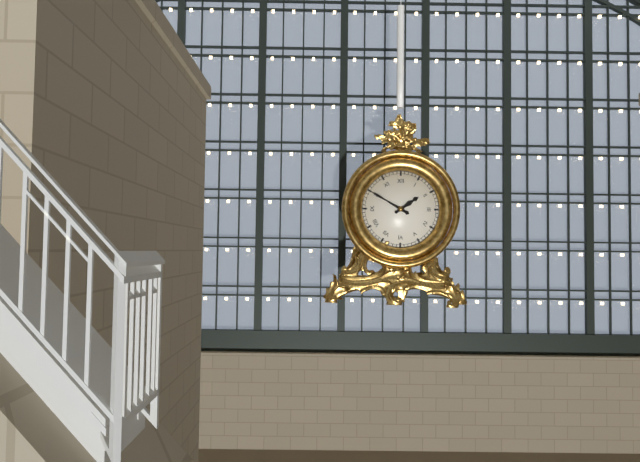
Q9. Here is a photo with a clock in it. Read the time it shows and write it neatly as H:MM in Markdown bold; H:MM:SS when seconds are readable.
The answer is **1:50**
